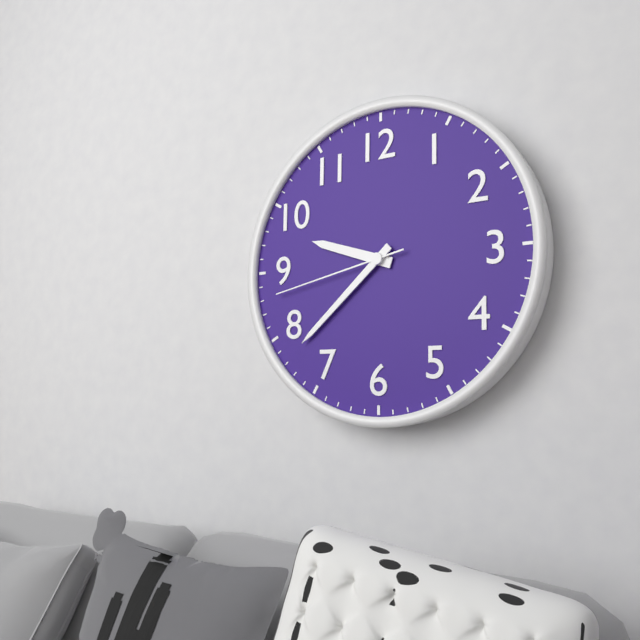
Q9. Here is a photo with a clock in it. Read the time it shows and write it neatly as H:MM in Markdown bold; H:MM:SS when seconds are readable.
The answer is **9:38:43**
